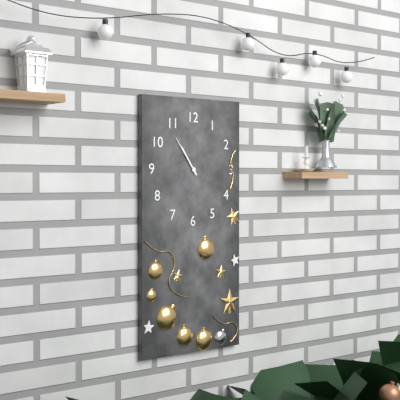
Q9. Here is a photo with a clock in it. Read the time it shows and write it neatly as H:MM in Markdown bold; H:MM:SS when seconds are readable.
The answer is **10:54**
